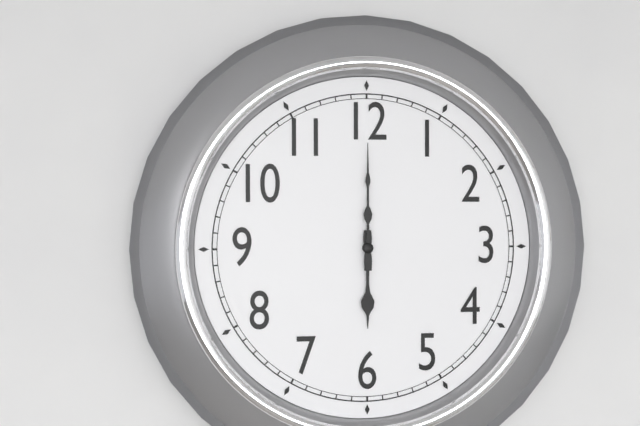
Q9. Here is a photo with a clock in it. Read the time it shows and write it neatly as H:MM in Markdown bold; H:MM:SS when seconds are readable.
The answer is **6:00**
